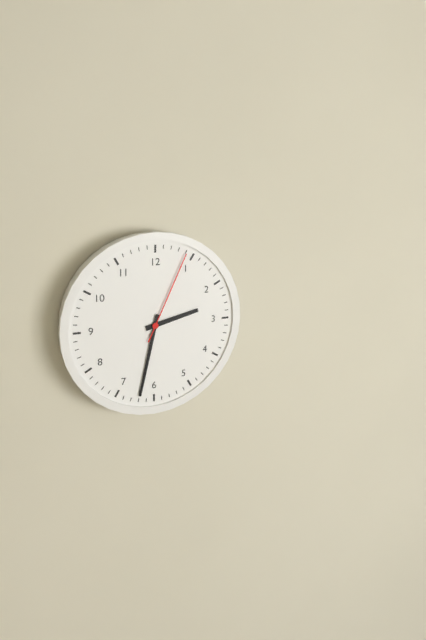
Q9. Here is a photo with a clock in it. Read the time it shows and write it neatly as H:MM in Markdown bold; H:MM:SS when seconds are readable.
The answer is **2:32:04**
